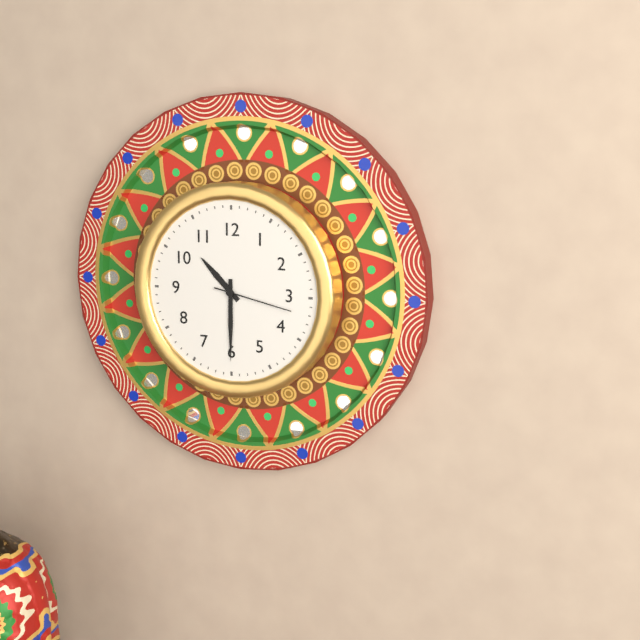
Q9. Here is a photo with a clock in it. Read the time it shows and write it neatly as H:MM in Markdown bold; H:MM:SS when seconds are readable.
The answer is **10:30:17**
